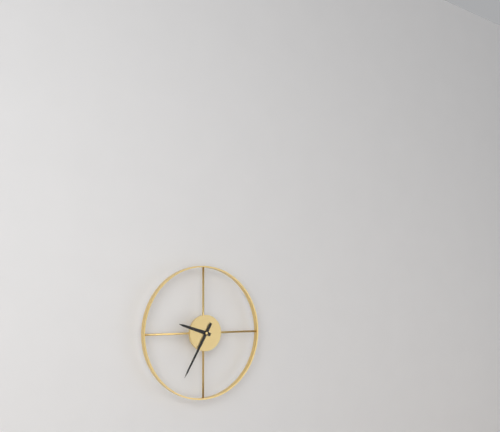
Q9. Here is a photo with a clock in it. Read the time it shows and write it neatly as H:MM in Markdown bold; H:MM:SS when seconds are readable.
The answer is **9:35**
